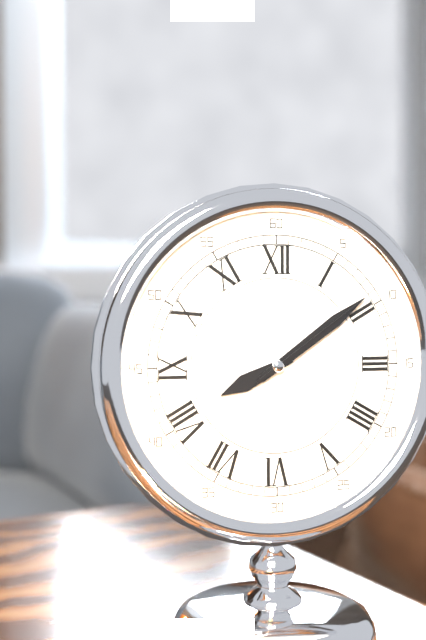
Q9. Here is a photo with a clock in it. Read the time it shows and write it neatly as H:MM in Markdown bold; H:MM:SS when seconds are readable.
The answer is **8:09:09**
